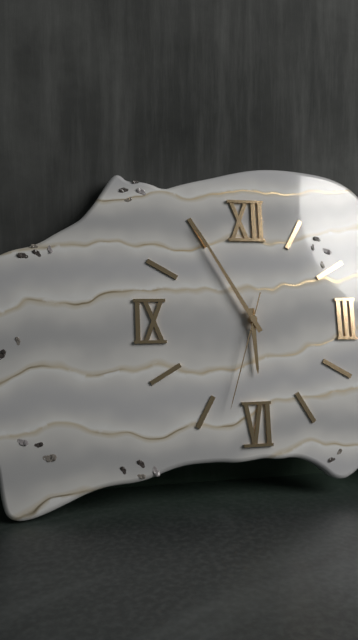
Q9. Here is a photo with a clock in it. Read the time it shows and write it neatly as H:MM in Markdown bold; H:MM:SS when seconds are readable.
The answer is **5:55:33**
